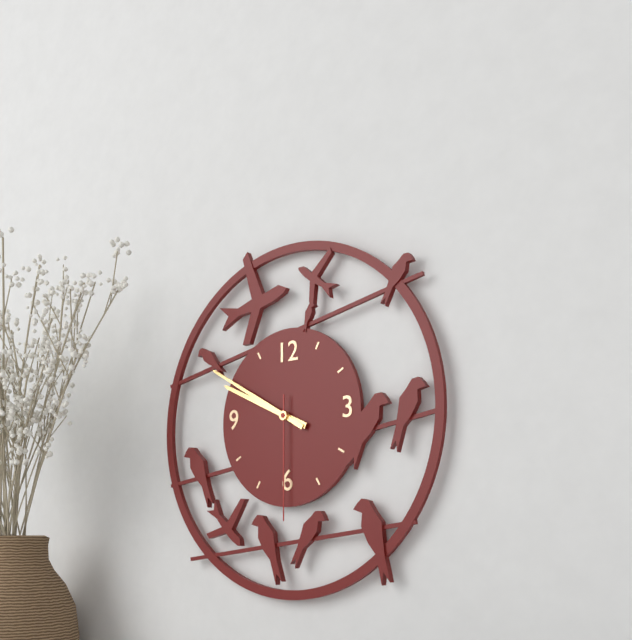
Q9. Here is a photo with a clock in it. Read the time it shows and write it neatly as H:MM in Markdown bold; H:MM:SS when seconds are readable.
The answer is **9:50:30**
